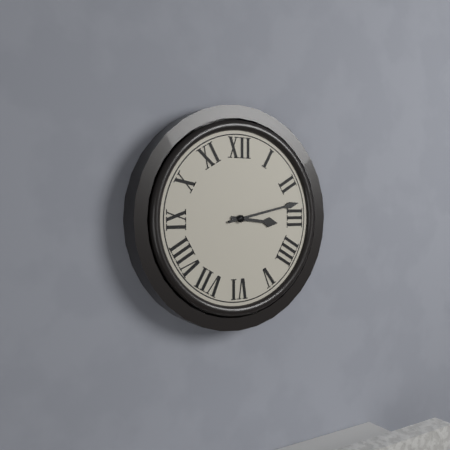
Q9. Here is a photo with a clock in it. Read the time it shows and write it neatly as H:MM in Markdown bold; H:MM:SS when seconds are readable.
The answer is **3:13**
